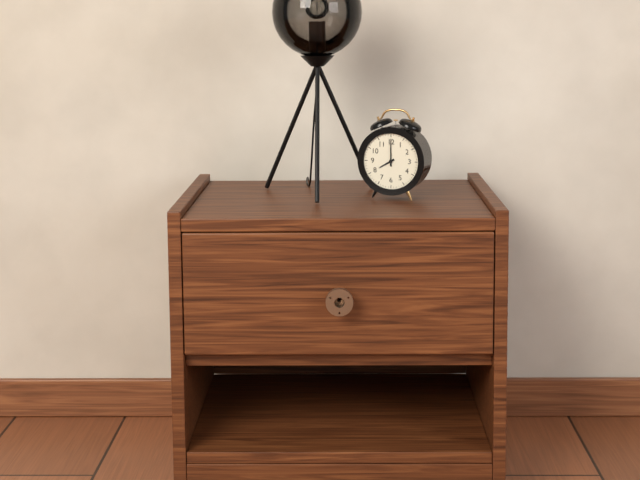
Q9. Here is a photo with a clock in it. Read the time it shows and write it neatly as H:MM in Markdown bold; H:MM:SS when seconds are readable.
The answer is **8:00**
